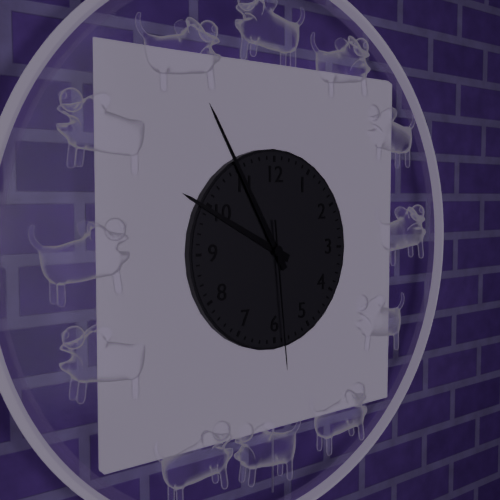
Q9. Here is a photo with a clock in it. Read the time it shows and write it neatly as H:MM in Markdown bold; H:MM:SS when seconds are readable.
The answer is **9:55:29**
